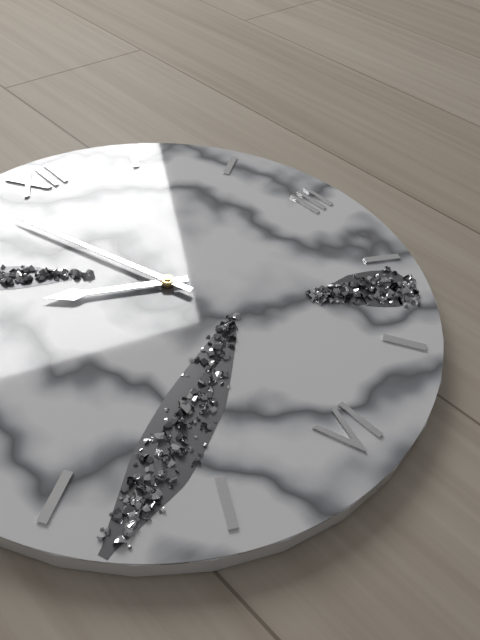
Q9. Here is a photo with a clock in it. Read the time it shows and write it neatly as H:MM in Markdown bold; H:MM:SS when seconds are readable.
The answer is **9:57**
